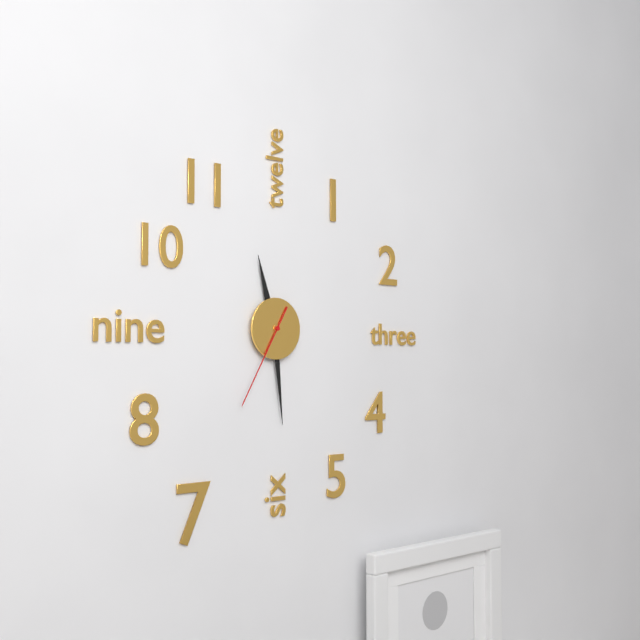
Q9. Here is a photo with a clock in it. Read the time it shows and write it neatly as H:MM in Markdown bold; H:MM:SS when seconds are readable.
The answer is **11:29:35**
